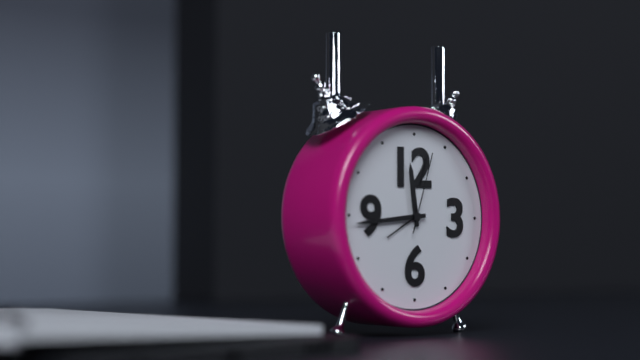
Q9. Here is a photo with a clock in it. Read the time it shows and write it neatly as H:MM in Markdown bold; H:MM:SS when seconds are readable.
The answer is **11:44:03**
